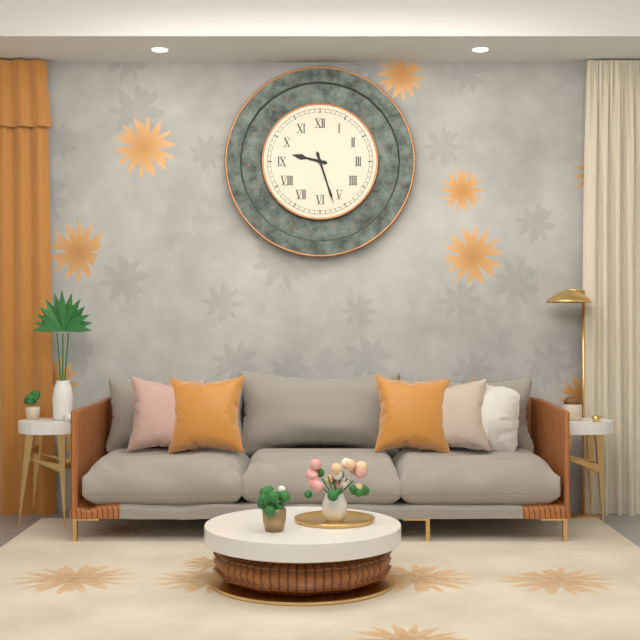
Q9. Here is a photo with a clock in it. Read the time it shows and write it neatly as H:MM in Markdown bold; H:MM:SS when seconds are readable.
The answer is **9:27**
